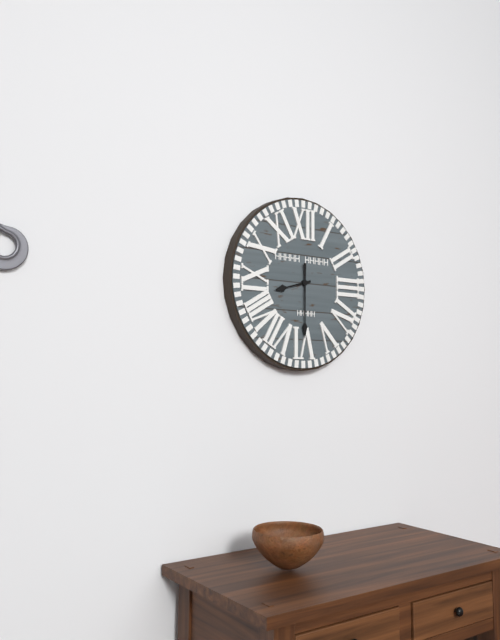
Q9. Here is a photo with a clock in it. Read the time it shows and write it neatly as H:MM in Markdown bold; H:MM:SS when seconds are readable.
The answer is **8:30**
